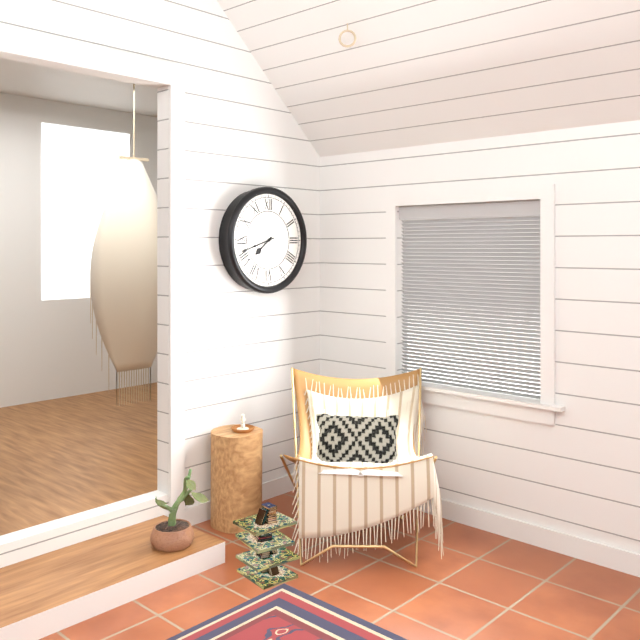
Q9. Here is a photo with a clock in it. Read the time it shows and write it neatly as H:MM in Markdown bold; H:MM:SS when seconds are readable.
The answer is **7:42**
